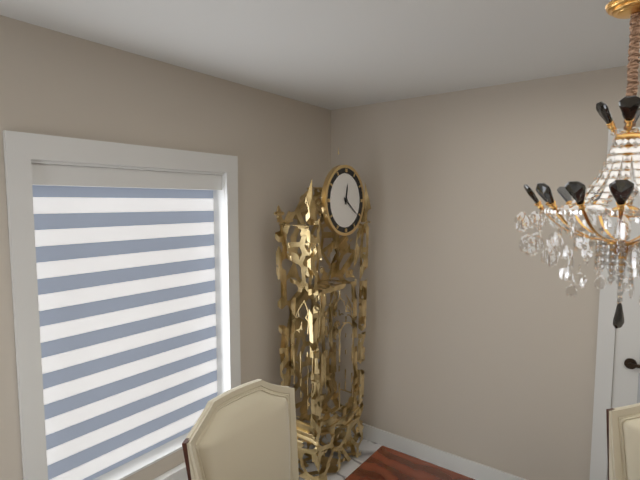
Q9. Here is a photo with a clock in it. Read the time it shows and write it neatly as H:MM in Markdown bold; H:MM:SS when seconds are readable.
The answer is **12:21**
